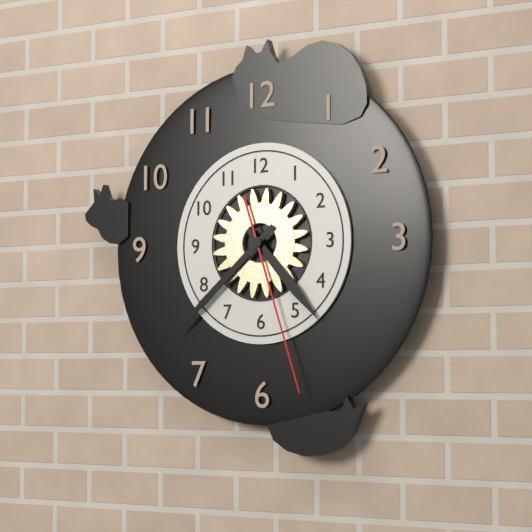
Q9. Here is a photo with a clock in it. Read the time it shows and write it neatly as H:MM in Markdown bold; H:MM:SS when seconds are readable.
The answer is **4:38:27**
